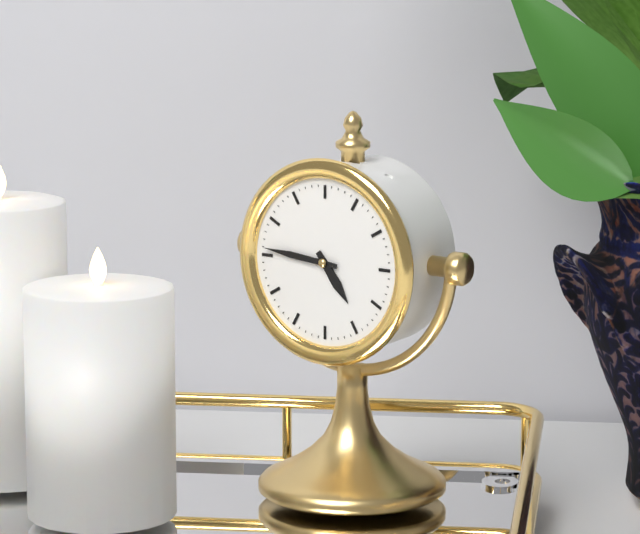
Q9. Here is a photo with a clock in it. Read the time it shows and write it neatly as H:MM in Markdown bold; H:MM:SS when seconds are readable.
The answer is **4:46**
